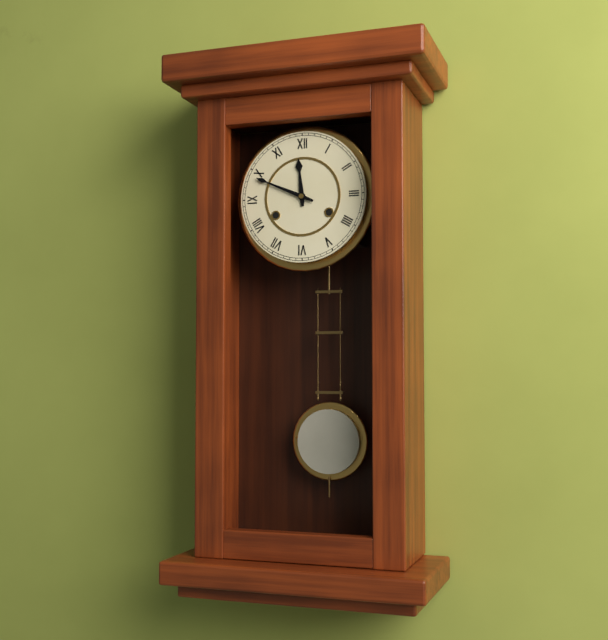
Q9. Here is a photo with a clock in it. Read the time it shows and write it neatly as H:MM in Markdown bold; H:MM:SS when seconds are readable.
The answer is **11:49**
